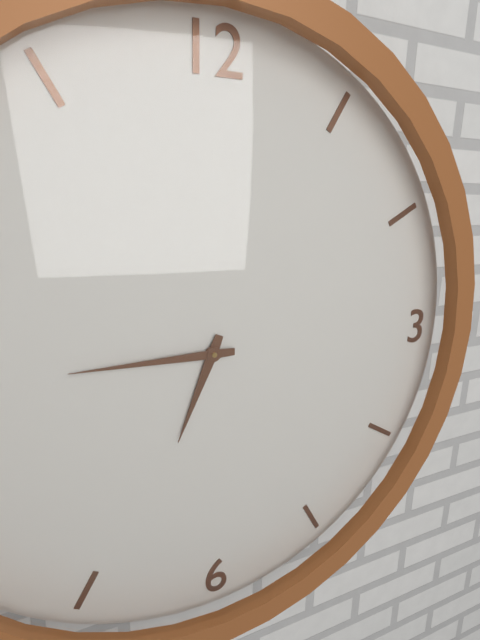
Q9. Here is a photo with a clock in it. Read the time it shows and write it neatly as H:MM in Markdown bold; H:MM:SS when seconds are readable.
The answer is **6:45**
